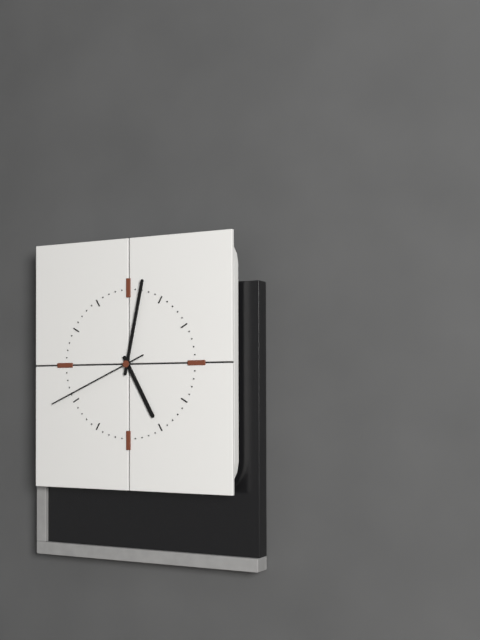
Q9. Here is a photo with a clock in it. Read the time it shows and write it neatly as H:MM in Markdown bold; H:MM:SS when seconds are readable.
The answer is **5:02:41**
